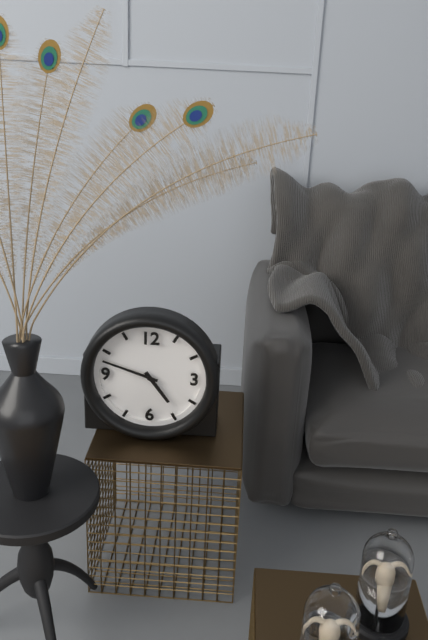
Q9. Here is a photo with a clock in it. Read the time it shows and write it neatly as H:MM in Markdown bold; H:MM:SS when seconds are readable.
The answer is **4:48**
